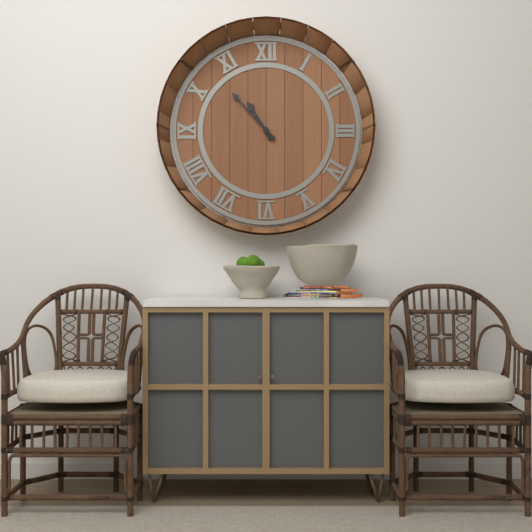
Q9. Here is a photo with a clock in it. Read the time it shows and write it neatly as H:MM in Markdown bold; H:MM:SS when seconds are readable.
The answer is **10:53**
